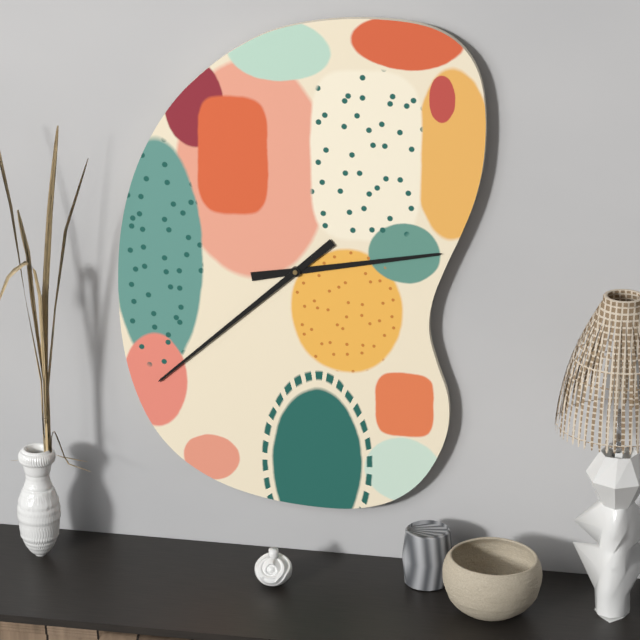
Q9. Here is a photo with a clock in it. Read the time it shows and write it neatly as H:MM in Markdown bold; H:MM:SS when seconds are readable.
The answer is **2:38**
